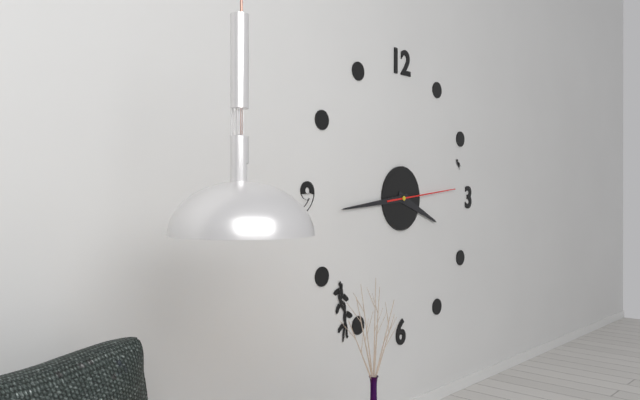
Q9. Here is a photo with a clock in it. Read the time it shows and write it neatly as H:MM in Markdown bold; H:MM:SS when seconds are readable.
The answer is **3:44:14**
